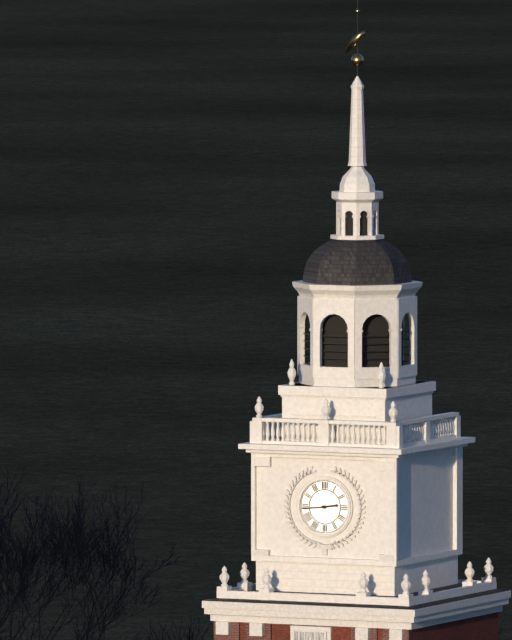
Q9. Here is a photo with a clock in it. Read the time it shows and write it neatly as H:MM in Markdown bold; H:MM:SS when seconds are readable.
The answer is **2:44**
